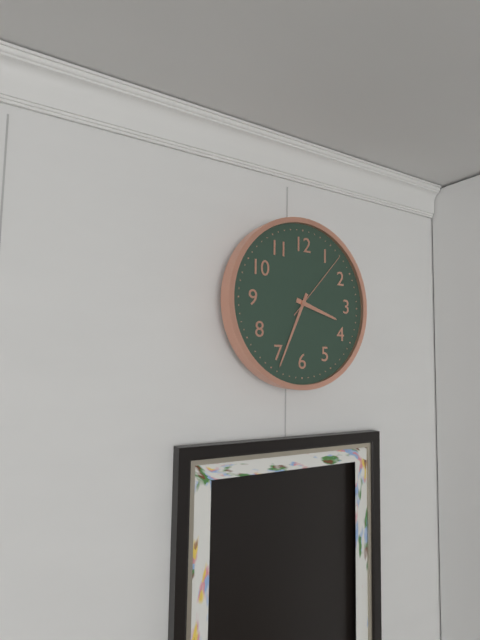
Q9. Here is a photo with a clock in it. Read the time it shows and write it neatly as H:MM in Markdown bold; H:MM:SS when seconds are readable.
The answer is **3:34:07**
